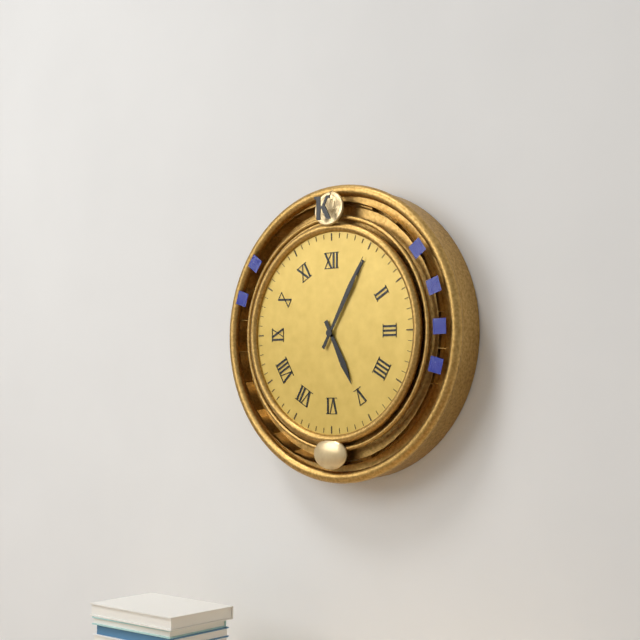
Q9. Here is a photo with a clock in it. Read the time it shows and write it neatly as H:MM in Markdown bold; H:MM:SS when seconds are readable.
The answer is **5:05**
